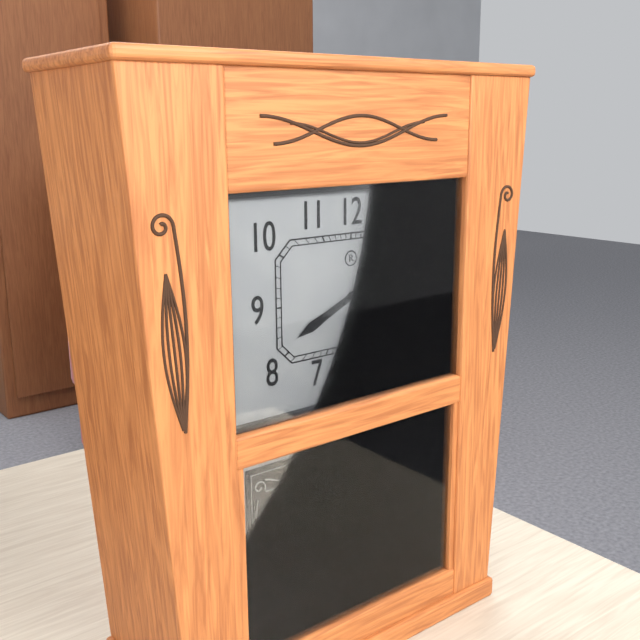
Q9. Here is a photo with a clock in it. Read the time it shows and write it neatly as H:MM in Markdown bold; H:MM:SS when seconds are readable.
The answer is **8:10**
